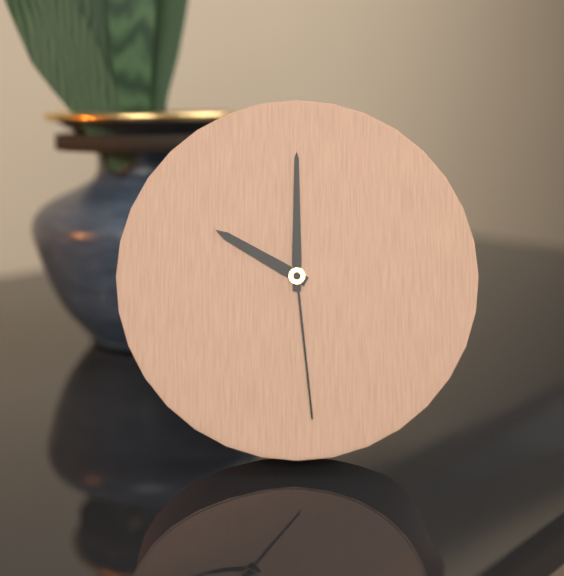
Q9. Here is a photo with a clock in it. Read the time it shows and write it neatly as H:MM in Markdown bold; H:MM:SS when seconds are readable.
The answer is **10:00:29**
